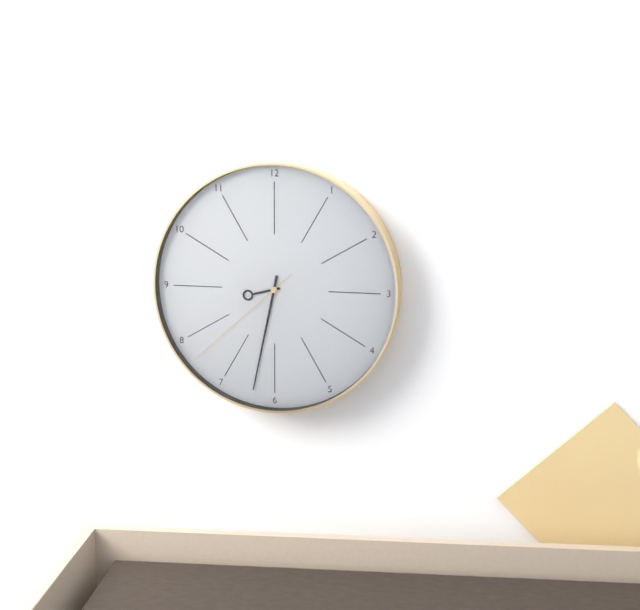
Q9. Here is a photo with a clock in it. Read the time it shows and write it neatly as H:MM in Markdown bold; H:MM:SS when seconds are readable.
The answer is **8:32:38**
